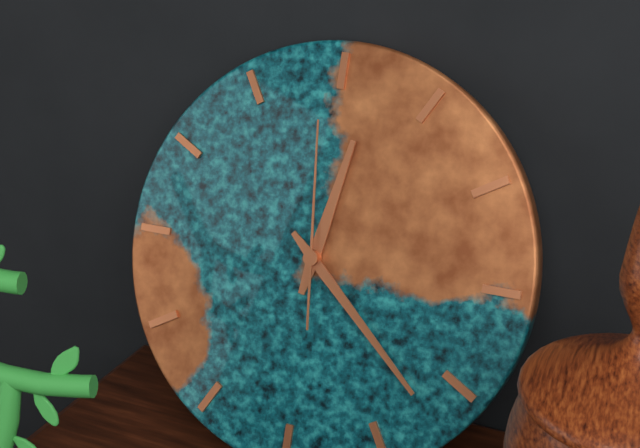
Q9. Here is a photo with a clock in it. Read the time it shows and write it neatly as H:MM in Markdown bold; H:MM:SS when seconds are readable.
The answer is **12:22:59**
